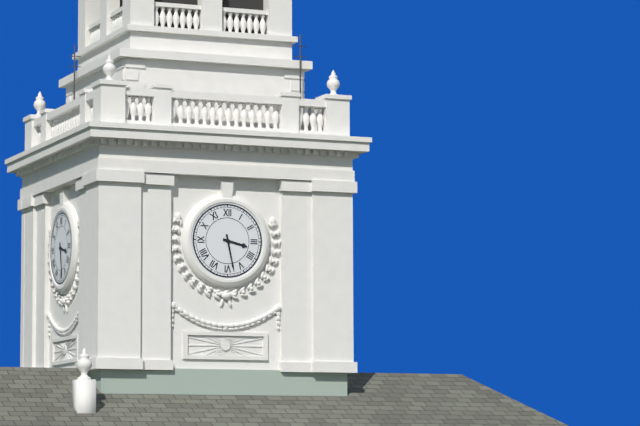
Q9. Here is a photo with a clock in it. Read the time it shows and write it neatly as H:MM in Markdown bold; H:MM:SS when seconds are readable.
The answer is **3:28**
